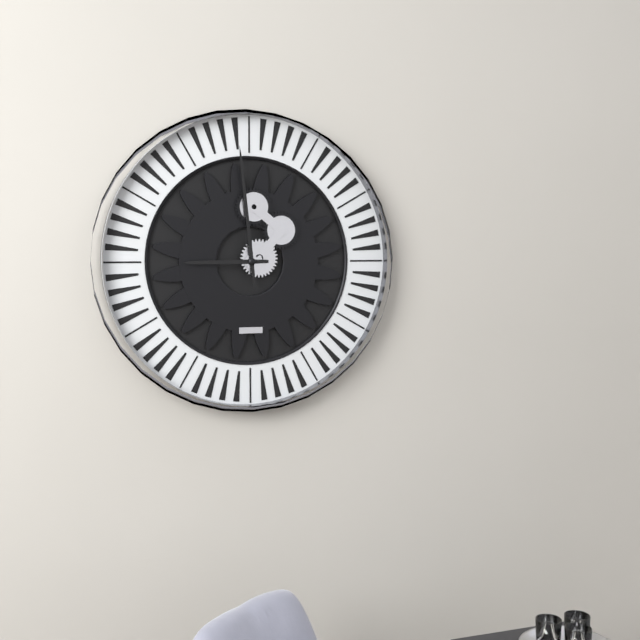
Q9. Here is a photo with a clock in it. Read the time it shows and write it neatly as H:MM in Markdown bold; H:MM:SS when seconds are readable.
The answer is **8:59**
